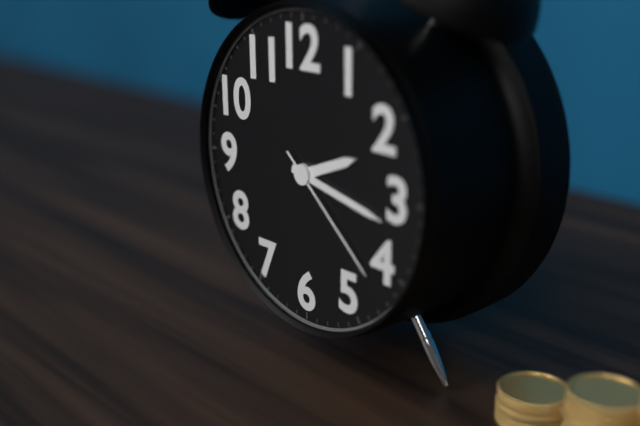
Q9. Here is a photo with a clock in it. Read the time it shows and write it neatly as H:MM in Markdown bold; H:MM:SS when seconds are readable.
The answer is **2:17:22**
